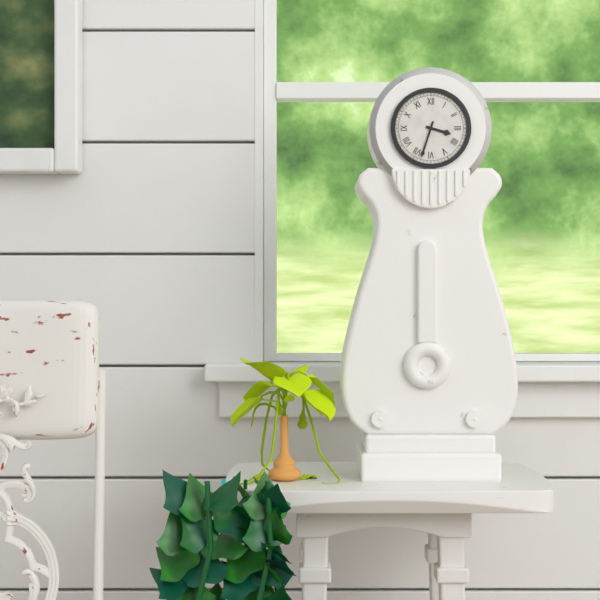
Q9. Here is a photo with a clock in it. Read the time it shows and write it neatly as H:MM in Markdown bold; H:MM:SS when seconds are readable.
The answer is **3:33**
